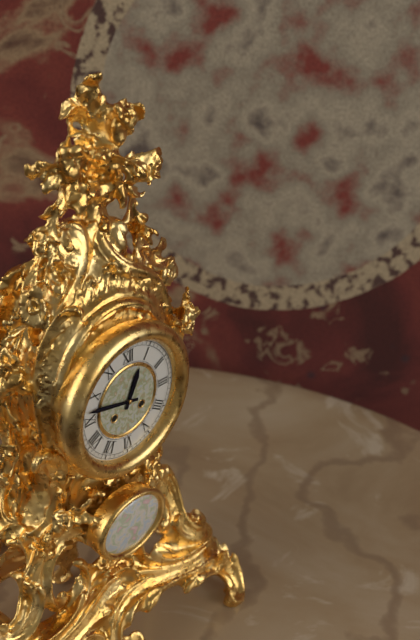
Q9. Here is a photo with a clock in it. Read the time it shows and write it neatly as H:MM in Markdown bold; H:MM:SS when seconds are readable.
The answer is **12:47**
